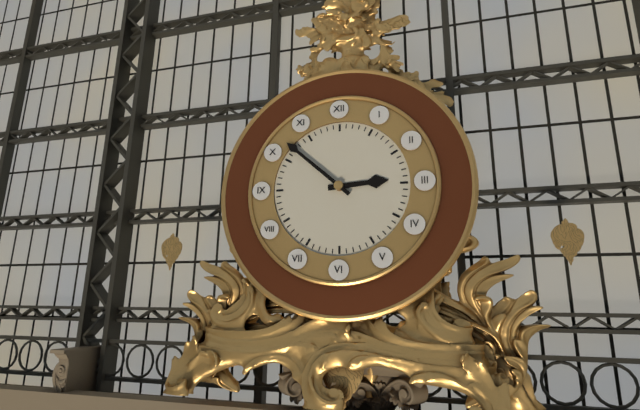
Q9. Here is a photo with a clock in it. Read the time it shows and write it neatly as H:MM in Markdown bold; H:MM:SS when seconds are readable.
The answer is **2:52**
